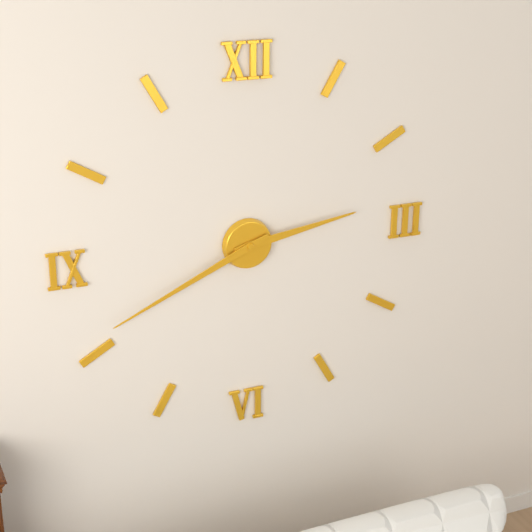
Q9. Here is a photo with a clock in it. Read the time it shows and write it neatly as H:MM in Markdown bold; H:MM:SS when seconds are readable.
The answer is **2:41**
